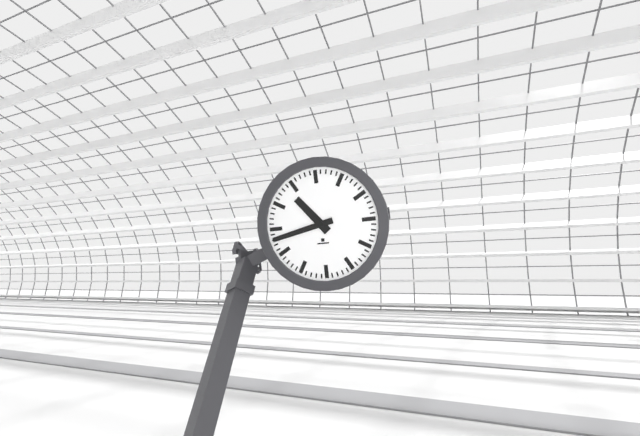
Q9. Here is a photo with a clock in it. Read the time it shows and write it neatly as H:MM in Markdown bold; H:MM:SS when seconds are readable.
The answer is **10:43**
